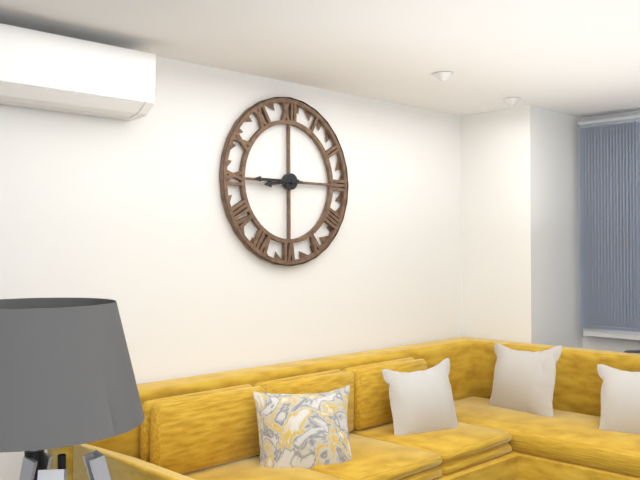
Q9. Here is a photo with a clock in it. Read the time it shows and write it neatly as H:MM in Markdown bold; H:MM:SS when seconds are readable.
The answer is **8:45**
